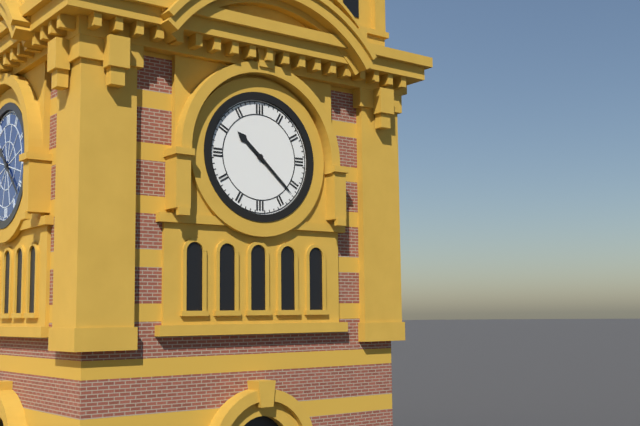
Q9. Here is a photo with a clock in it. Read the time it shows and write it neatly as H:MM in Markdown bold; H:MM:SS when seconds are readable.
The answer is **10:22**
